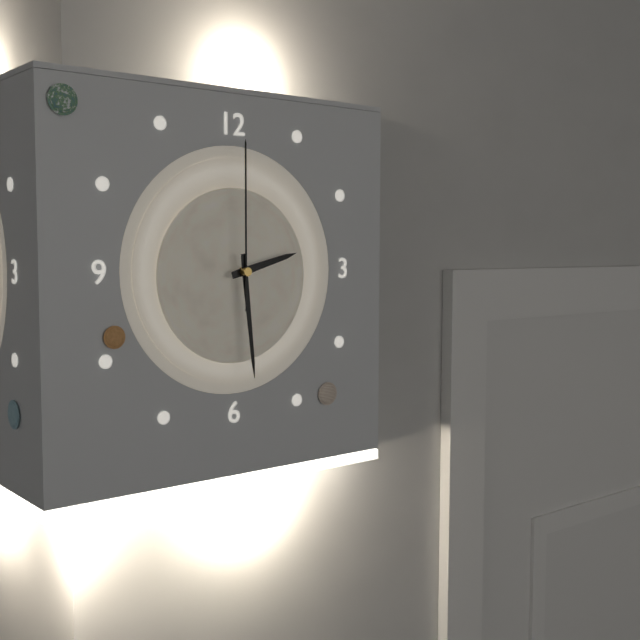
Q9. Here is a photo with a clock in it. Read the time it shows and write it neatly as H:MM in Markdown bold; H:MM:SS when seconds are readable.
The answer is **2:29:00**
